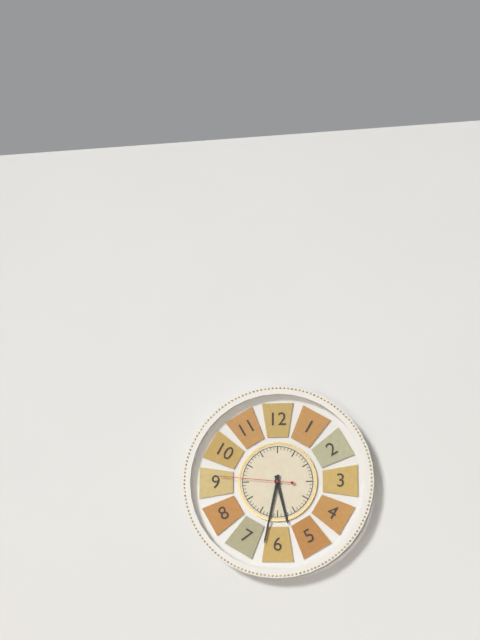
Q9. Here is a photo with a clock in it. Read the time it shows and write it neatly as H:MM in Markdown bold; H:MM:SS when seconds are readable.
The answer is **5:32:46**
